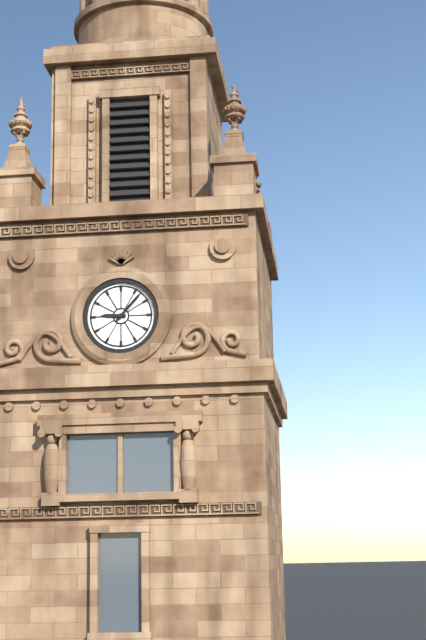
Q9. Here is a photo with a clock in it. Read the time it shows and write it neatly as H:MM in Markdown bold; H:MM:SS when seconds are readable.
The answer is **9:07**
